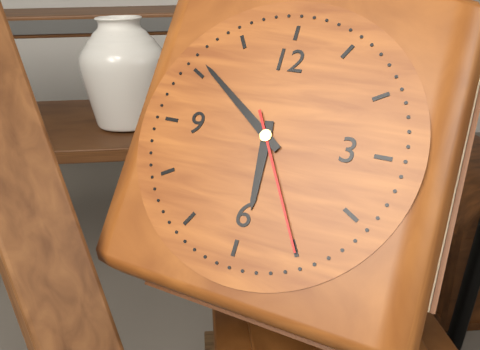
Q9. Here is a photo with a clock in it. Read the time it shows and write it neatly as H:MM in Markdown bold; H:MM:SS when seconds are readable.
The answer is **5:51:25**
